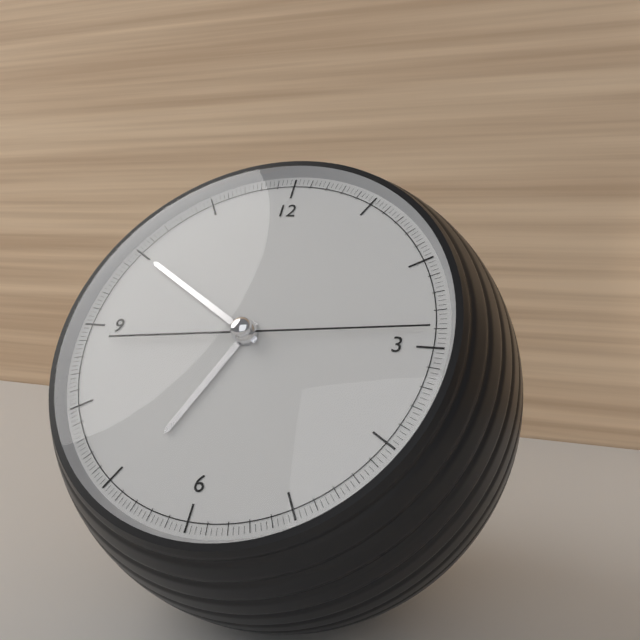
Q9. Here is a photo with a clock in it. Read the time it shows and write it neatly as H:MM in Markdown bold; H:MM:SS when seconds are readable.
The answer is **6:50:14**
